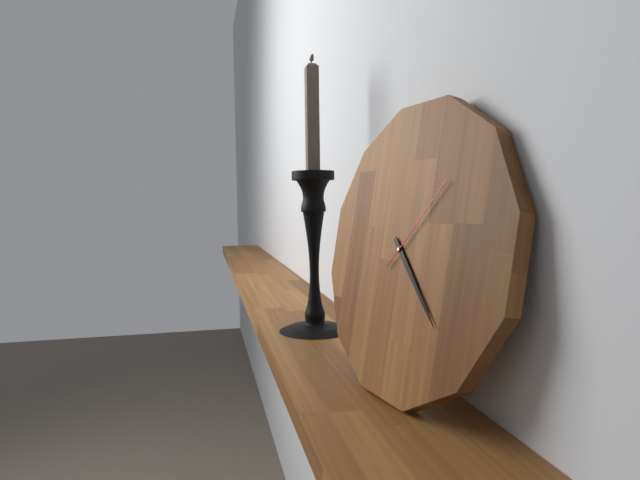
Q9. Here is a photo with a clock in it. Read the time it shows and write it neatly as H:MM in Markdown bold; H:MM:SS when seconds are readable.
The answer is **4:22:07**
